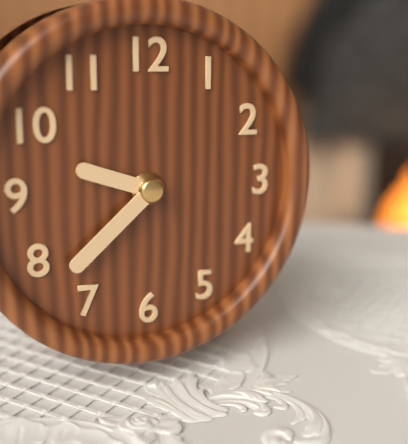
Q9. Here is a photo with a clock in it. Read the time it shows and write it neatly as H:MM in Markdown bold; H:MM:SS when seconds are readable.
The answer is **9:38**
